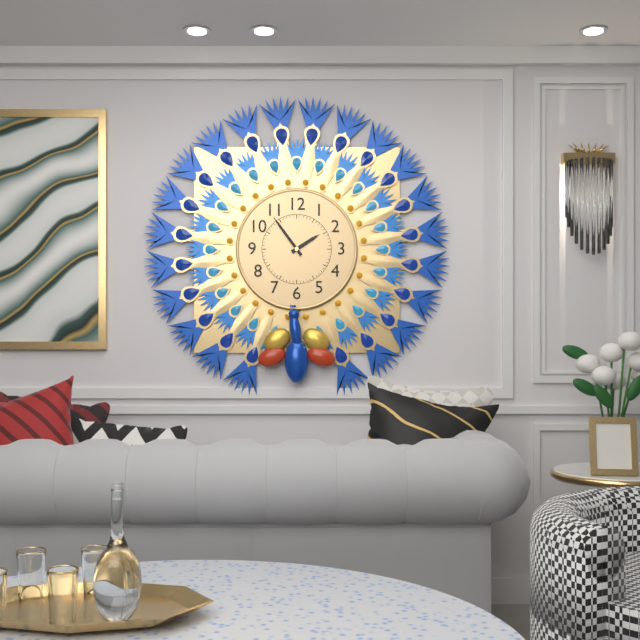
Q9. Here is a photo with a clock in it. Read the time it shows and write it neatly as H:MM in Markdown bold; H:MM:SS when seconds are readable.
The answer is **1:54**
